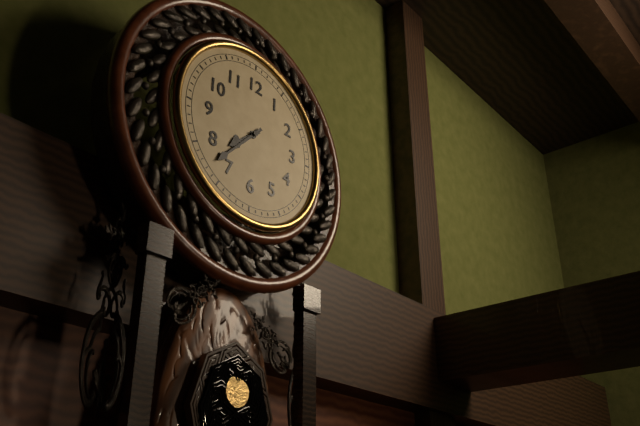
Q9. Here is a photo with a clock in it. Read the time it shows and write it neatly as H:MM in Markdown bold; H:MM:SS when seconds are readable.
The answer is **7:37**
